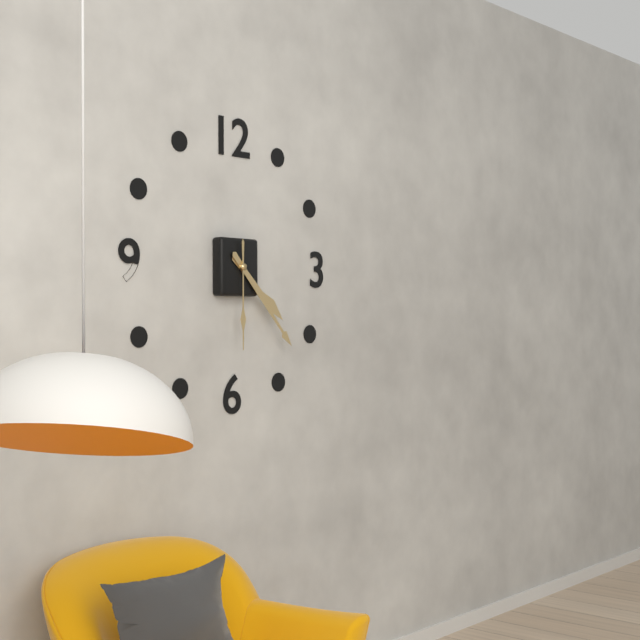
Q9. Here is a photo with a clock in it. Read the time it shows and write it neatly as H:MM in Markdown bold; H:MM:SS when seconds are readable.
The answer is **4:23:30**
